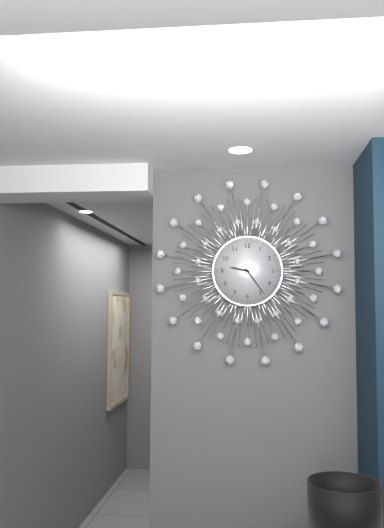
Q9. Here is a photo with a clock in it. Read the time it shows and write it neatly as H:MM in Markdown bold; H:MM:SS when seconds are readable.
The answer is **9:24**
